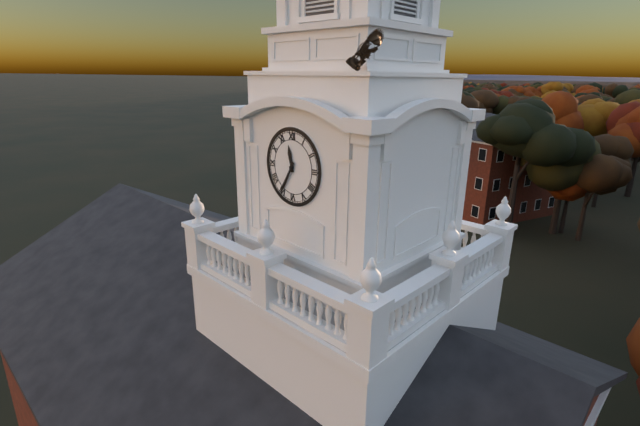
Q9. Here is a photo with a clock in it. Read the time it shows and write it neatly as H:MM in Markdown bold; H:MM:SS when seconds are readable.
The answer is **11:35**
